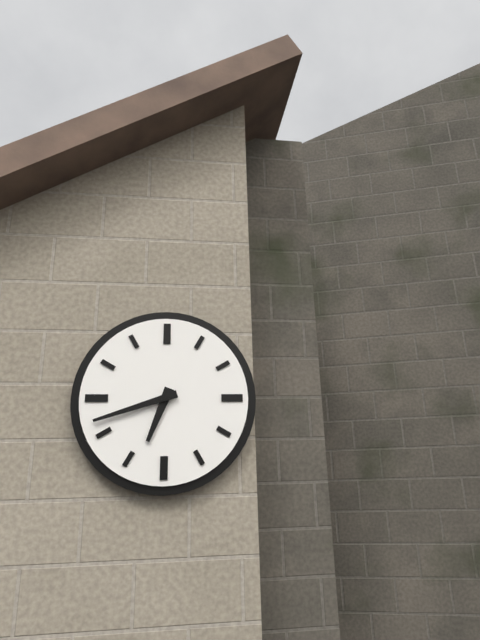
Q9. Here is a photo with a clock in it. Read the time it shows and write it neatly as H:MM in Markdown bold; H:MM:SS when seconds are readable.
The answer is **6:42**
